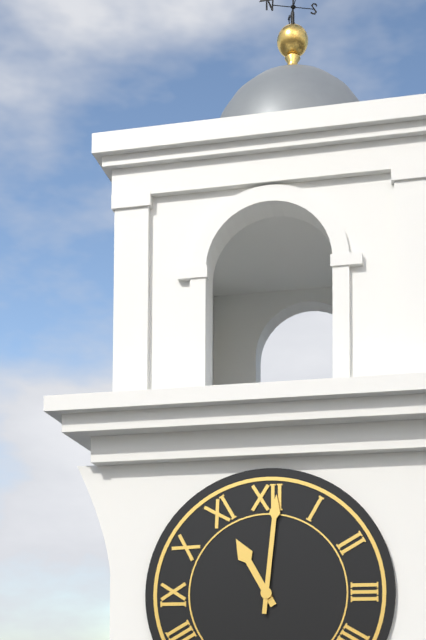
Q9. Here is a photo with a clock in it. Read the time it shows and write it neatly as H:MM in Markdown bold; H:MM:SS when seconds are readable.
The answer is **11:01**
